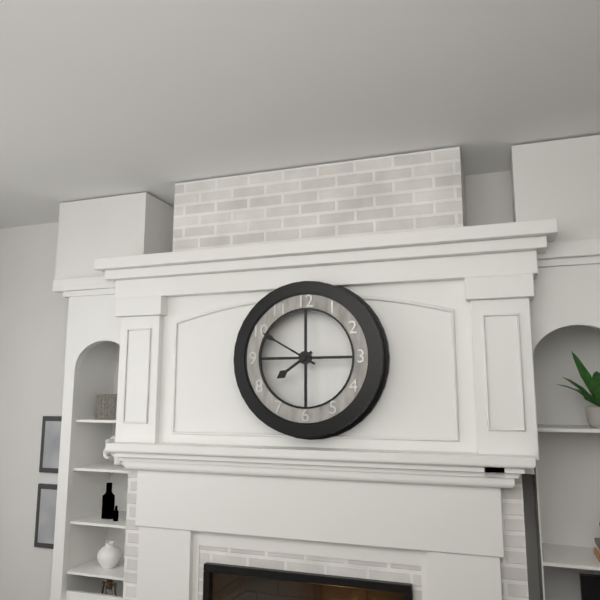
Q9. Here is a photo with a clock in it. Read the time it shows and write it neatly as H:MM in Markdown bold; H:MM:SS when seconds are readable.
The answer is **7:50**
